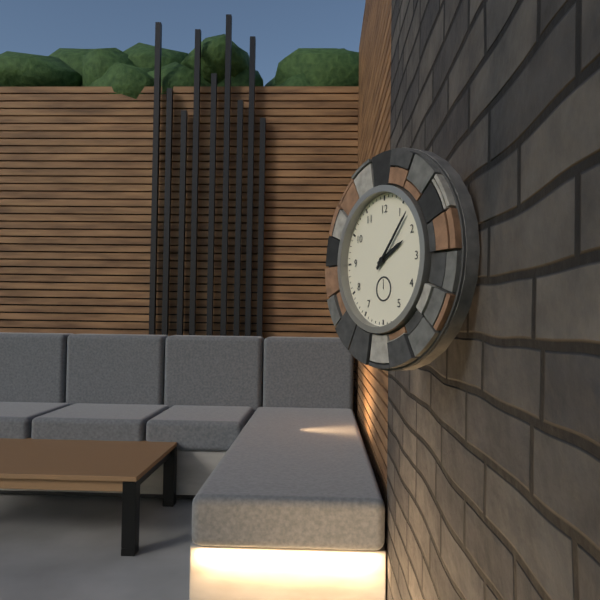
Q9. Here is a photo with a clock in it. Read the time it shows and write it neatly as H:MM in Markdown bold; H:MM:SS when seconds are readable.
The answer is **2:07**
